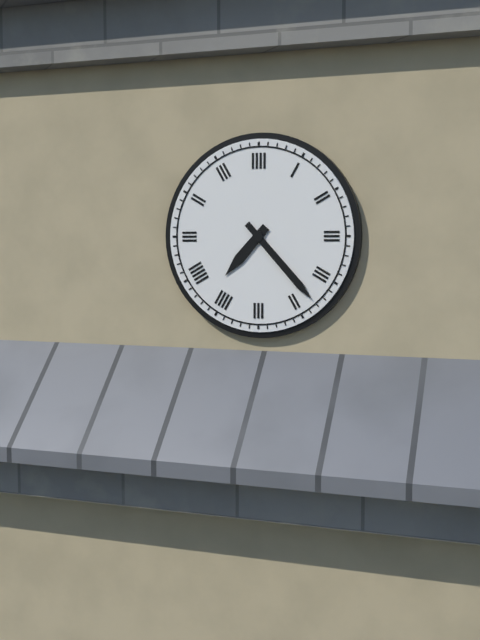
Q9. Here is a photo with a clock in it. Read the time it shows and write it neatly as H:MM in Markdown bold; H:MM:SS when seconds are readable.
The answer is **7:23**
